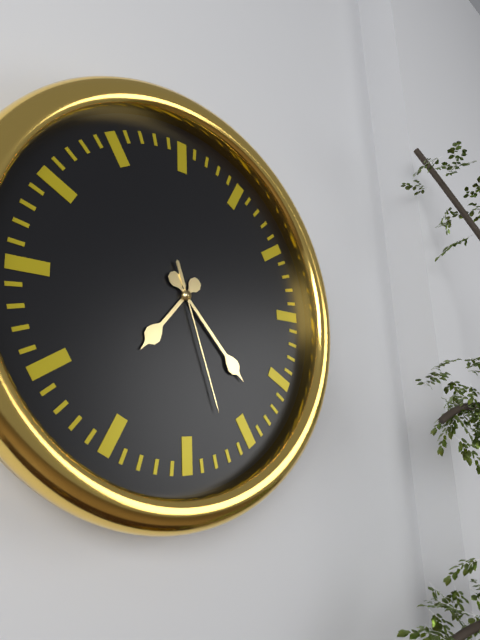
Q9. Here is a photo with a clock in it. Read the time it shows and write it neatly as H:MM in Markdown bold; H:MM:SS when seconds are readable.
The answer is **7:23:27**
